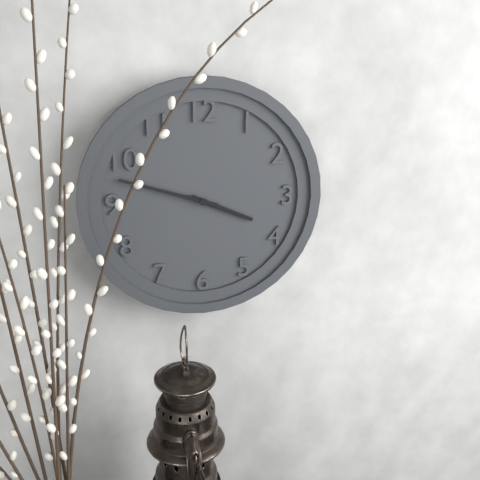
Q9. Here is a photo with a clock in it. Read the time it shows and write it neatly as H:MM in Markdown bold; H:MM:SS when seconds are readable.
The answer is **3:48**
